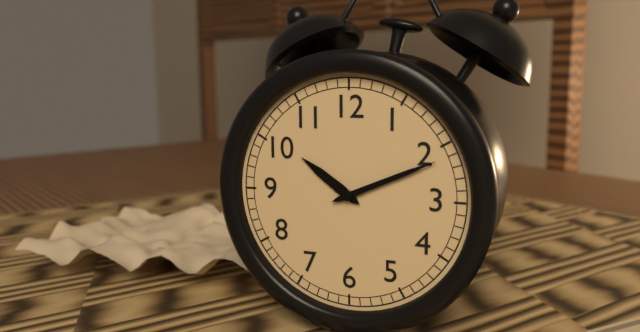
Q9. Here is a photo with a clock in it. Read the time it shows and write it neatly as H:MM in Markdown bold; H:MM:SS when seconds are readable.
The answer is **10:11**
